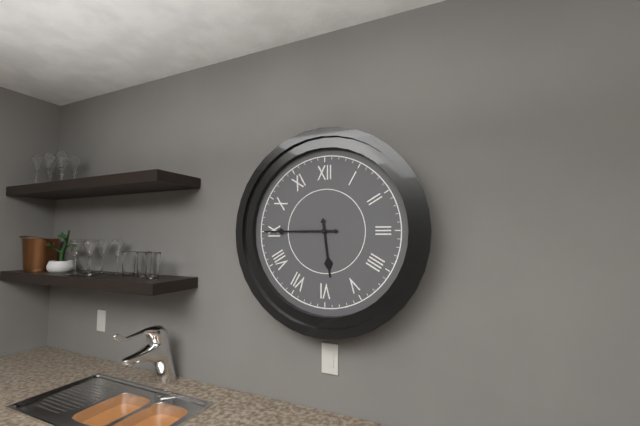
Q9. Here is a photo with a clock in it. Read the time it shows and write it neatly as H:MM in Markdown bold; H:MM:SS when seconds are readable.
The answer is **5:45**
